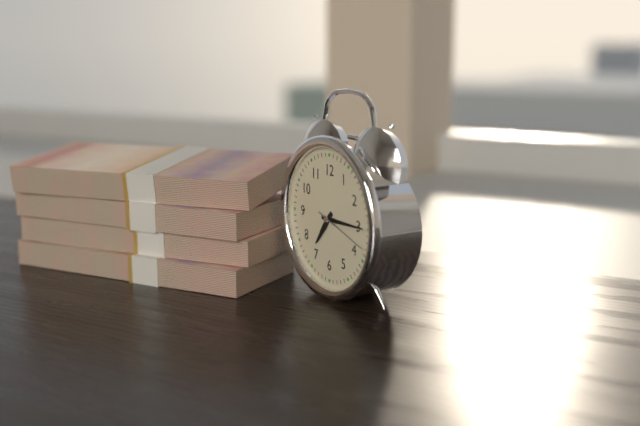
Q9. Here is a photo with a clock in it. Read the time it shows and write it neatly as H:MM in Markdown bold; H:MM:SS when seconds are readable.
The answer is **7:15:18**
